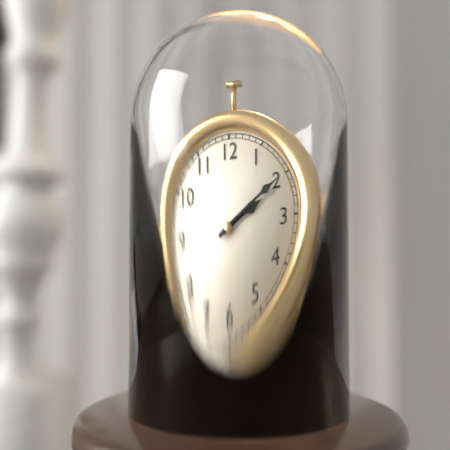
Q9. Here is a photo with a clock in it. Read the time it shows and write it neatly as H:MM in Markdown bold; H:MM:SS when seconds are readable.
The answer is **2:10**
